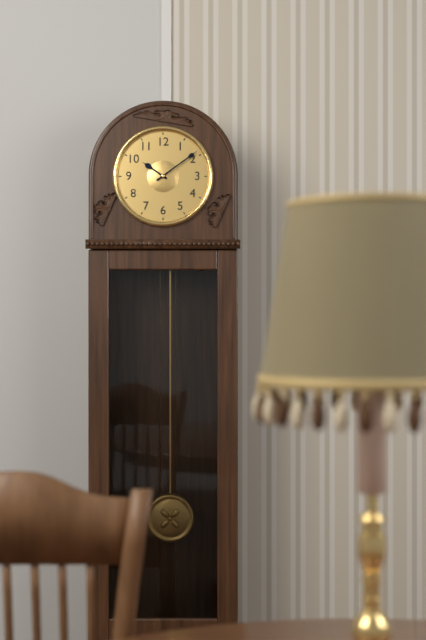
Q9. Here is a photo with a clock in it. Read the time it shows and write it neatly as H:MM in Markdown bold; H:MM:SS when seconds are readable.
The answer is **10:09**
